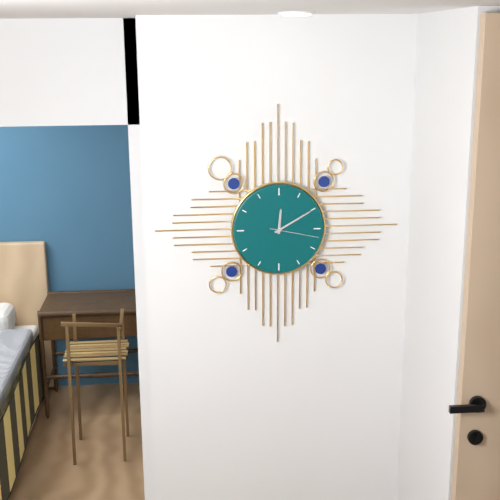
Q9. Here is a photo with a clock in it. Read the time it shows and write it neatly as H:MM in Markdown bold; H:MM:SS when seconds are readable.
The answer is **12:10:17**
